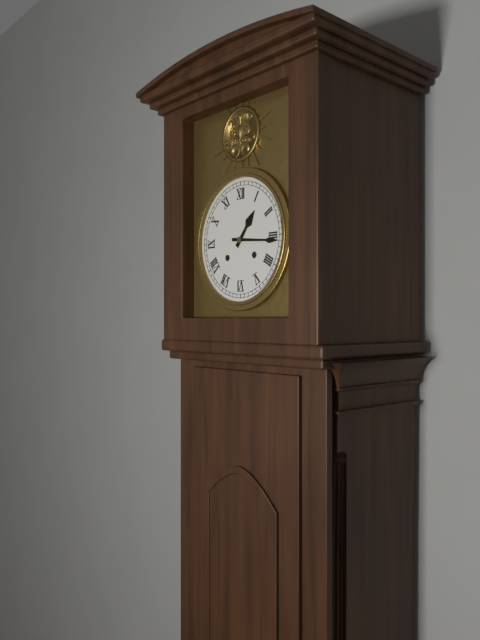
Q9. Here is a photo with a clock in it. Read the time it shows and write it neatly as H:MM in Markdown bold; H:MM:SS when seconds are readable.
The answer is **1:16**
